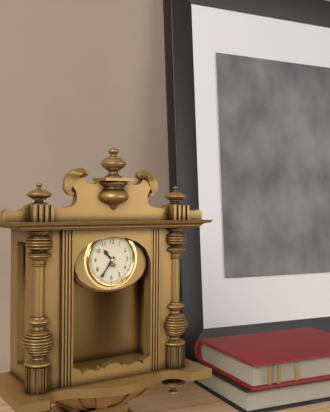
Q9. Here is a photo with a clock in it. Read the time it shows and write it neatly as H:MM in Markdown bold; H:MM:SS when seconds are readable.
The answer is **10:36**
